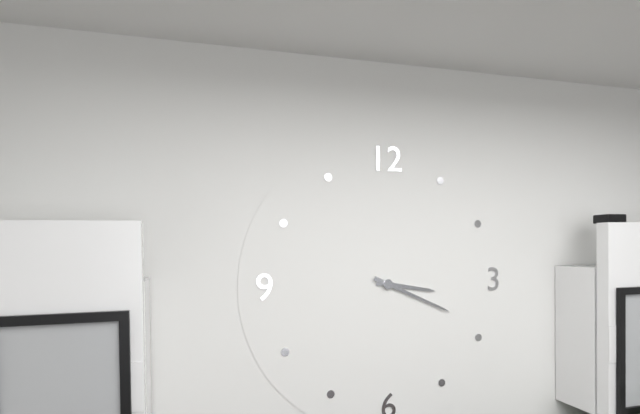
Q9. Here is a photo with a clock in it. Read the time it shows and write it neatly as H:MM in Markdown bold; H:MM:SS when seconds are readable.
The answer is **3:19**
